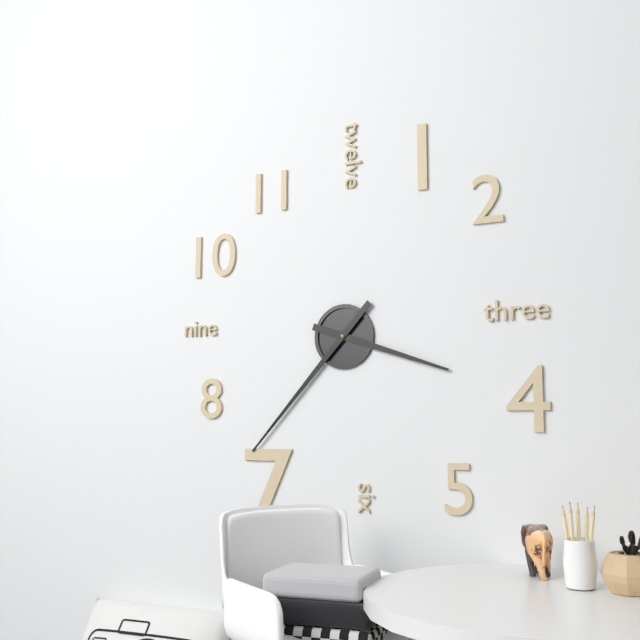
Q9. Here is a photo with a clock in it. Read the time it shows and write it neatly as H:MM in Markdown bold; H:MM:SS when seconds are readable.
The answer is **3:37**
